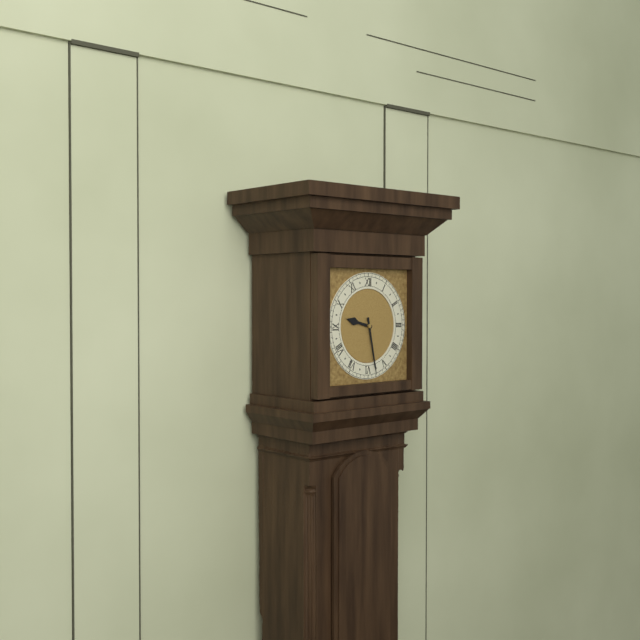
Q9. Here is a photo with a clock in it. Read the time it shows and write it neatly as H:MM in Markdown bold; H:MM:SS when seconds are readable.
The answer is **9:28**
